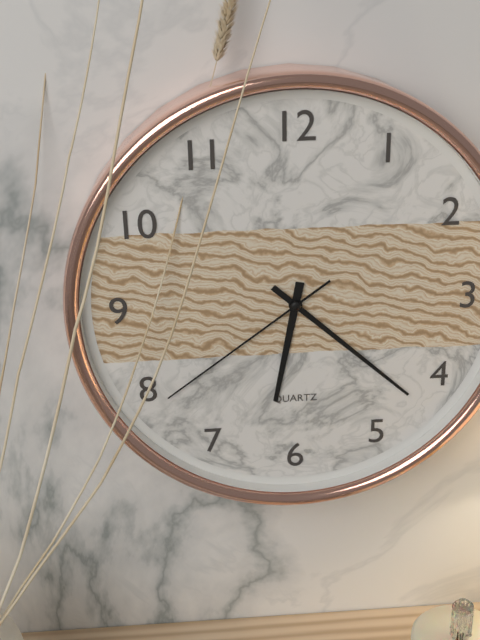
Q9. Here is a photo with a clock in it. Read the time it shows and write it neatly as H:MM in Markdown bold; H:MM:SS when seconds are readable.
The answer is **6:22:39**
